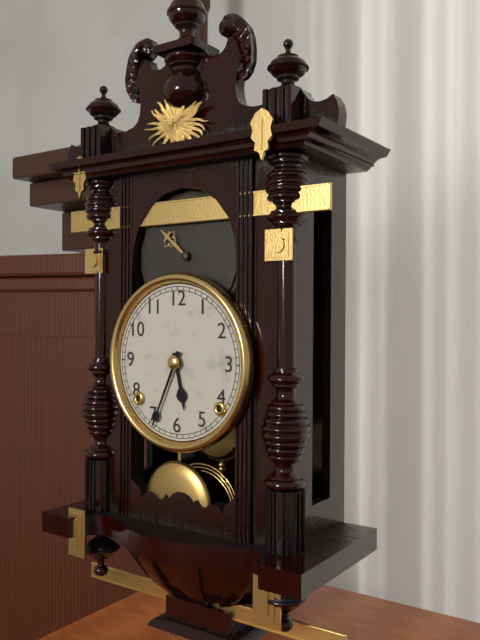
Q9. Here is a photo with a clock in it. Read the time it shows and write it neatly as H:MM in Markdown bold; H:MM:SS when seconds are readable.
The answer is **5:34**
